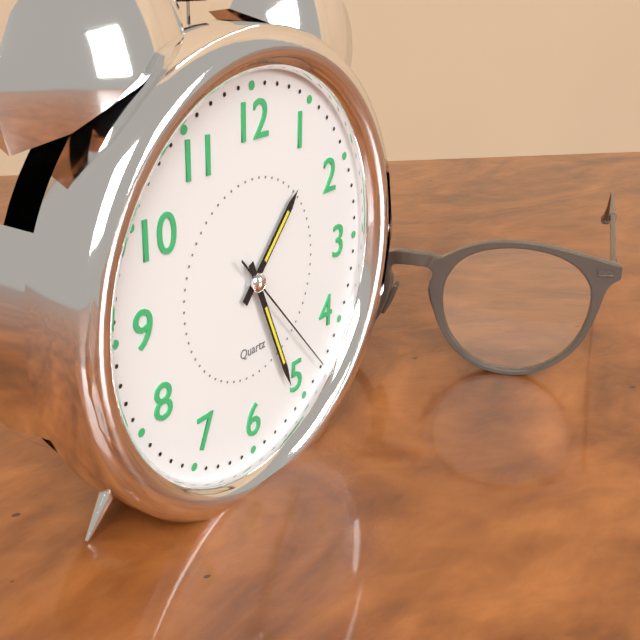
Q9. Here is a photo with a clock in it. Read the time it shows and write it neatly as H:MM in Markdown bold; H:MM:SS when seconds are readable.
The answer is **1:26:23**
